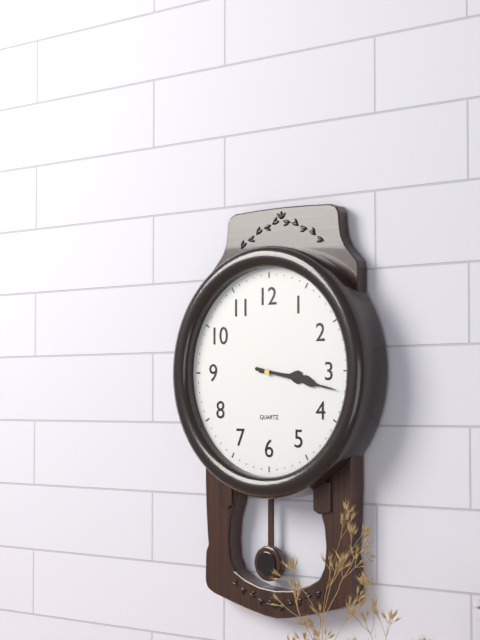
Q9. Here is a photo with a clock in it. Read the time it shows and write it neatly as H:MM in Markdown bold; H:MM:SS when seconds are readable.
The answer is **3:17**
